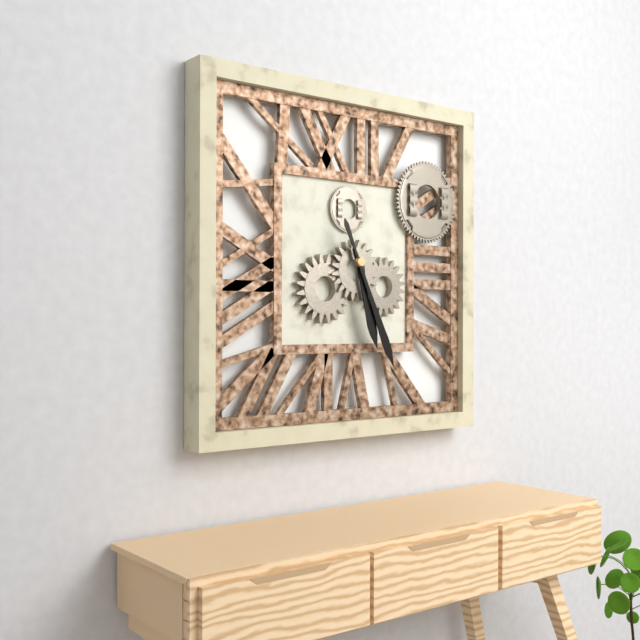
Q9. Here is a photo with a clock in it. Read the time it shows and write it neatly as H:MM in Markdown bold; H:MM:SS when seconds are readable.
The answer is **5:26**
